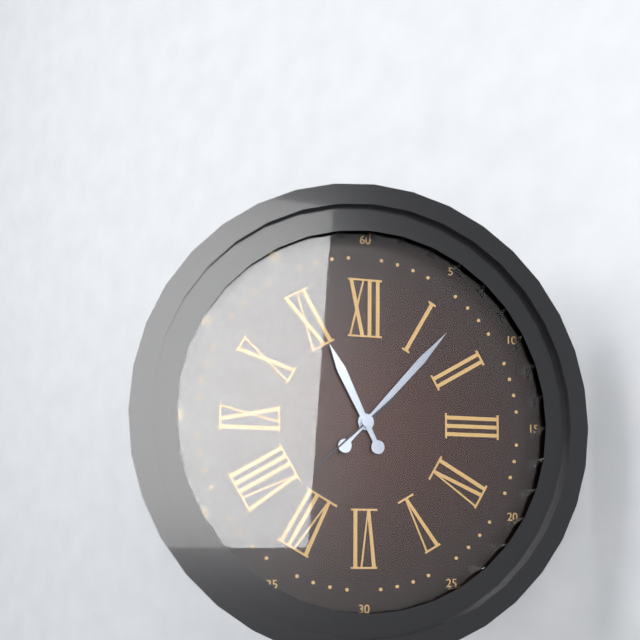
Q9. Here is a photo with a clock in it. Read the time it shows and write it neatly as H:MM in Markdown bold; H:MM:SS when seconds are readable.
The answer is **11:07:38**
